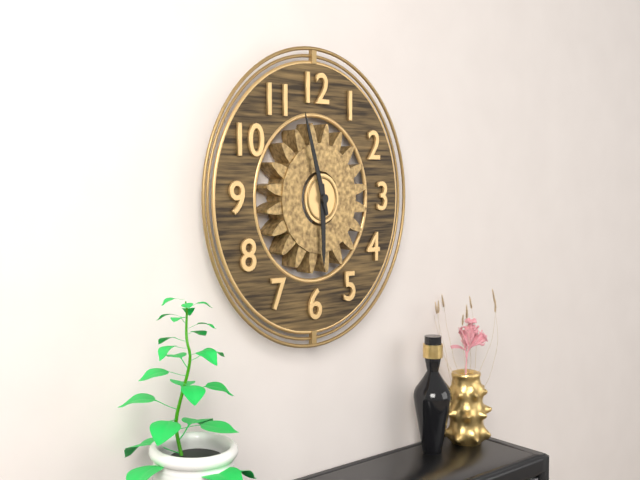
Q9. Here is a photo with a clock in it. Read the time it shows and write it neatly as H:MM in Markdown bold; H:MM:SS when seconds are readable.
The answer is **5:57**
